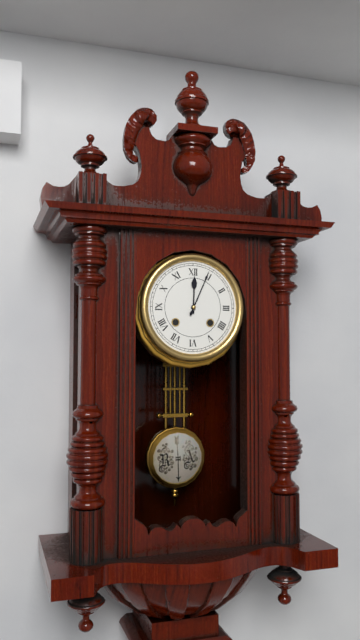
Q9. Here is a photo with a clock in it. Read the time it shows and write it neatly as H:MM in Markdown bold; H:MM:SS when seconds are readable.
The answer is **12:04**
